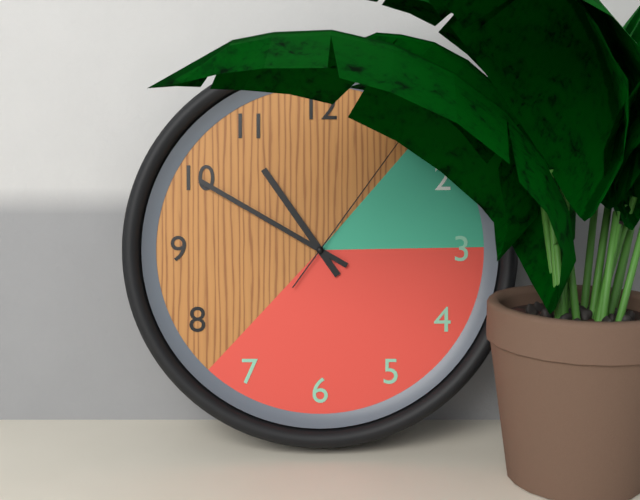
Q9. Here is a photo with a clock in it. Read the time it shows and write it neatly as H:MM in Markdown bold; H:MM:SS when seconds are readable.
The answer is **10:50:06**
